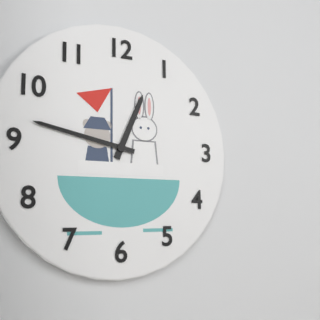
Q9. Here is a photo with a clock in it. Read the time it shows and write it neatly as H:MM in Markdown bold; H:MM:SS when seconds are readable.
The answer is **12:47**
